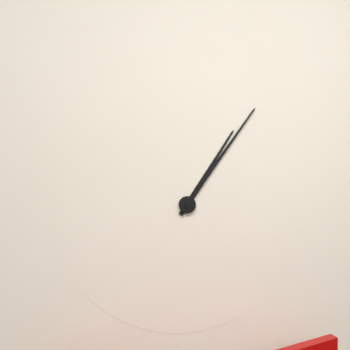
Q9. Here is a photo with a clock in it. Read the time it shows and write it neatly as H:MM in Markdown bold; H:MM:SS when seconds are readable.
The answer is **1:06**
